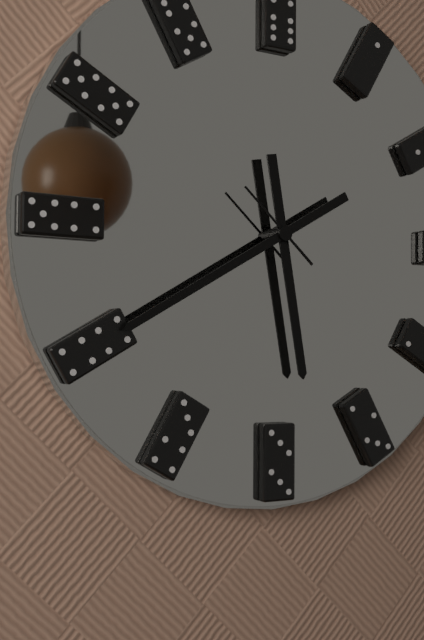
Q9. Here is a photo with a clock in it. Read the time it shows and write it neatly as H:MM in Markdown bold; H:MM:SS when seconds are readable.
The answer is **5:40:52**
